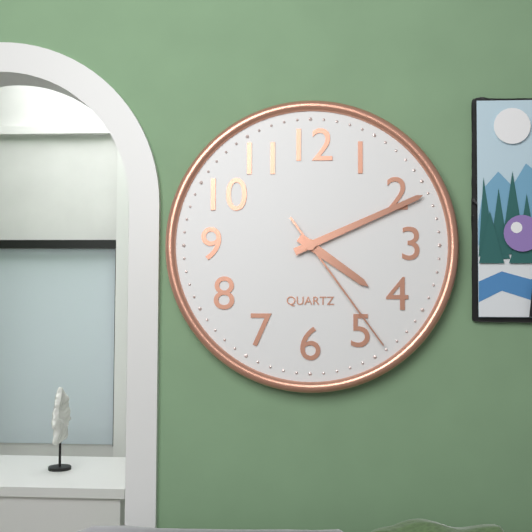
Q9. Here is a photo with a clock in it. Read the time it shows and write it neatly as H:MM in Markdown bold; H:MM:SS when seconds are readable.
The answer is **4:11:24**
